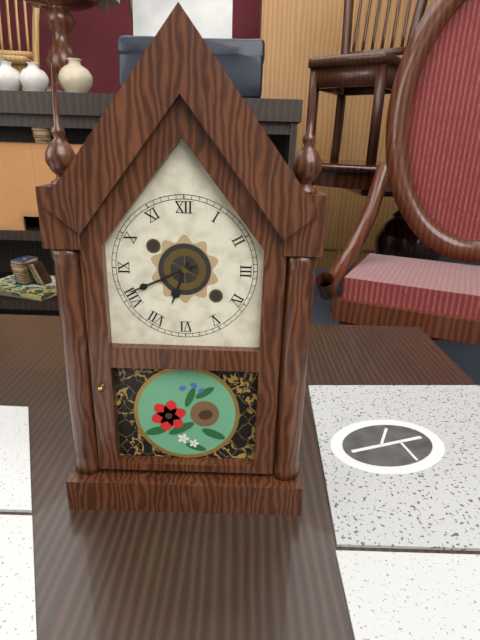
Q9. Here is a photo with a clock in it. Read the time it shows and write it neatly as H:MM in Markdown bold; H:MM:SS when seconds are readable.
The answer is **6:41**
